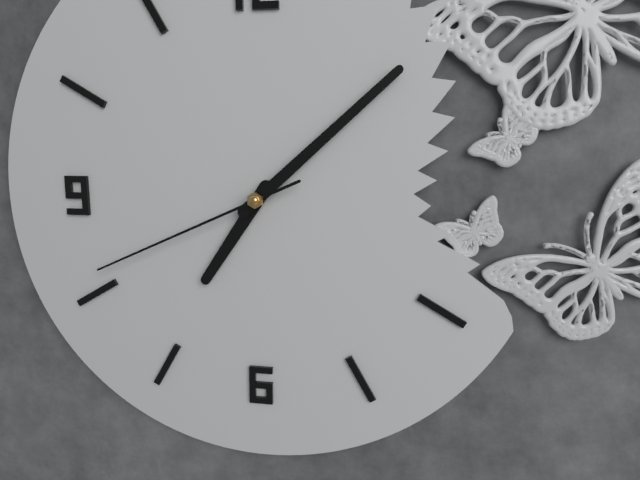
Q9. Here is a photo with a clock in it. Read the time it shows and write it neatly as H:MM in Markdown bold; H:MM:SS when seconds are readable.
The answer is **7:08:41**
